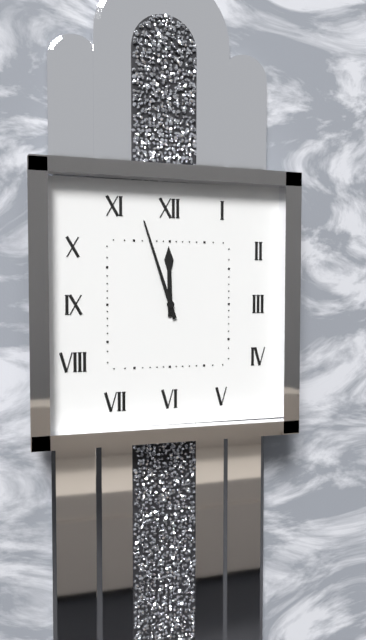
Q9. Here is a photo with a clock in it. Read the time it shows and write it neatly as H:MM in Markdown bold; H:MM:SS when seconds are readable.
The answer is **11:57**
